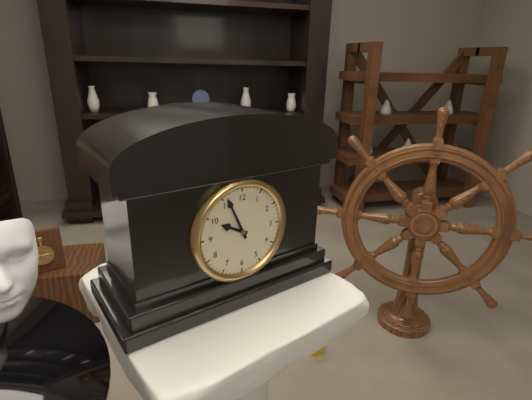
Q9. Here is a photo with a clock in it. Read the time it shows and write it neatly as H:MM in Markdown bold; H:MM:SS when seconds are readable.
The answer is **9:56**
